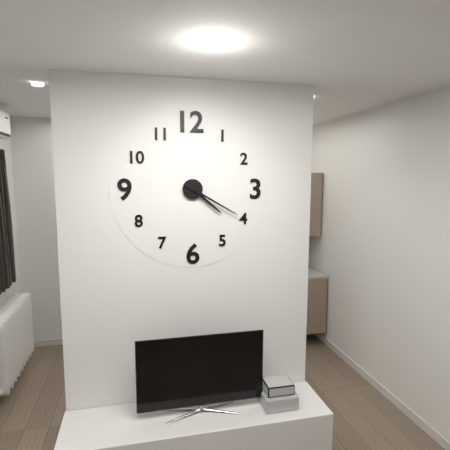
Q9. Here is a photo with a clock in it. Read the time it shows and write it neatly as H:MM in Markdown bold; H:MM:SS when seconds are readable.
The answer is **4:20**
